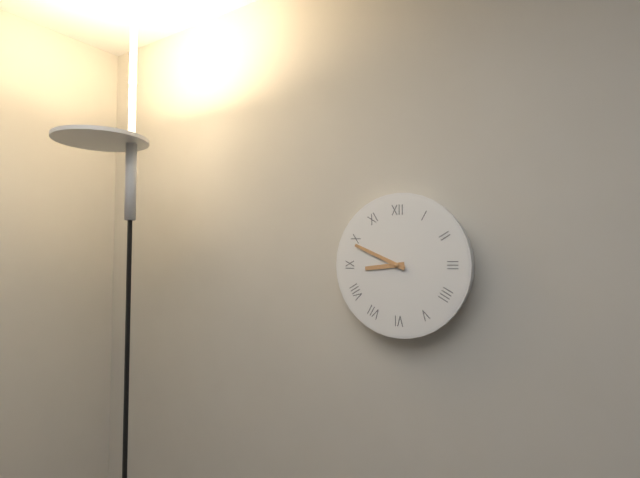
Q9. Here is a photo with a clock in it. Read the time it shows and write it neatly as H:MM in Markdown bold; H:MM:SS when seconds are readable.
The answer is **8:49**
